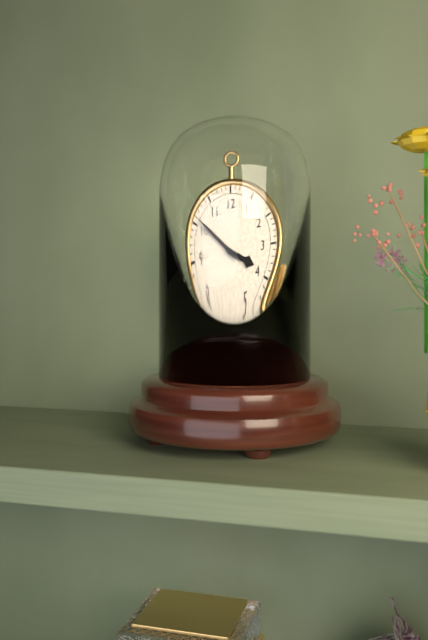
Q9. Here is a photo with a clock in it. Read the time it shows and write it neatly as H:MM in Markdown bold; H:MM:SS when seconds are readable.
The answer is **3:51**
